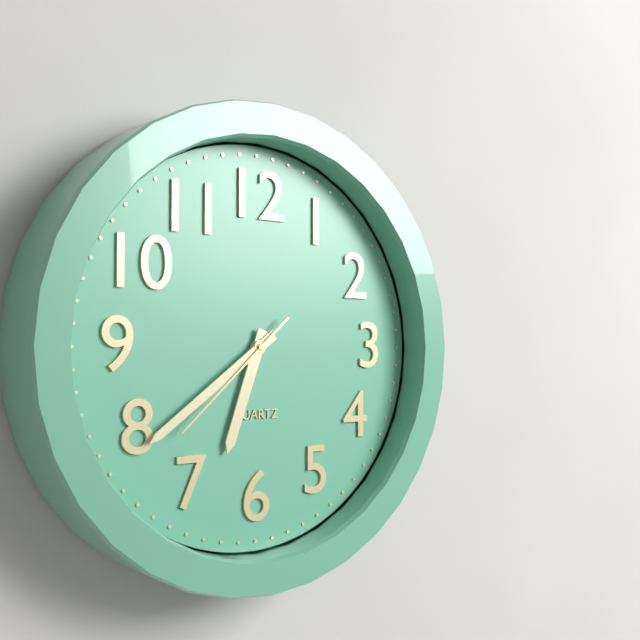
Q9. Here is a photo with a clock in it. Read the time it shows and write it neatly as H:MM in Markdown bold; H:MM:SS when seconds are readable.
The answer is **6:39:38**
